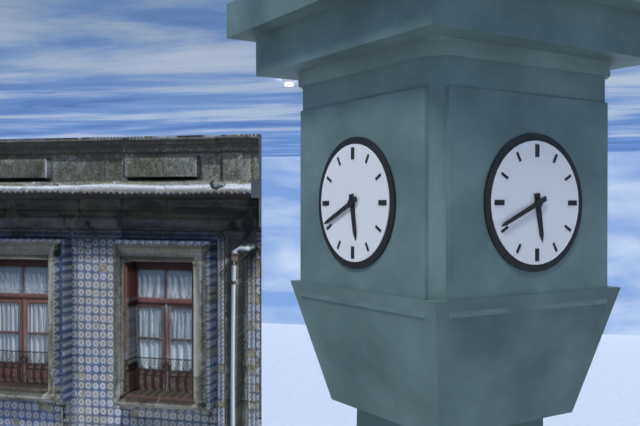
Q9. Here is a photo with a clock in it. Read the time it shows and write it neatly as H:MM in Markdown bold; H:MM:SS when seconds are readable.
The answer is **5:41**
